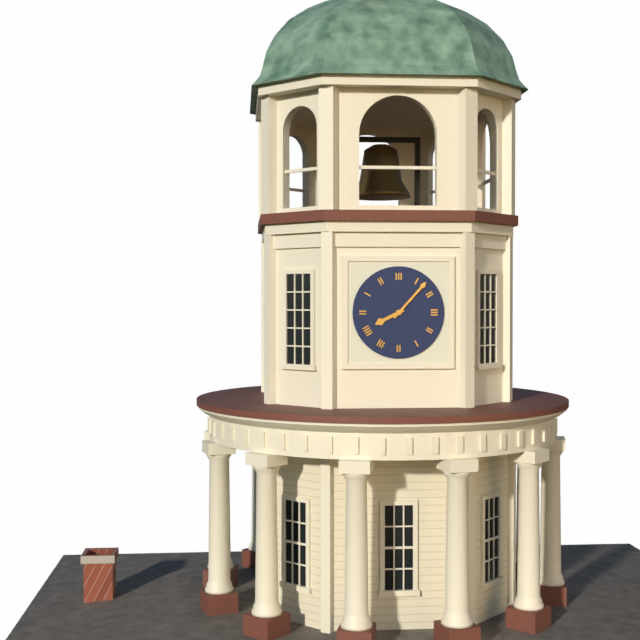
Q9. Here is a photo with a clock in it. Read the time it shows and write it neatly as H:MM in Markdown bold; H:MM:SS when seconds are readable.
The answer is **8:07**
